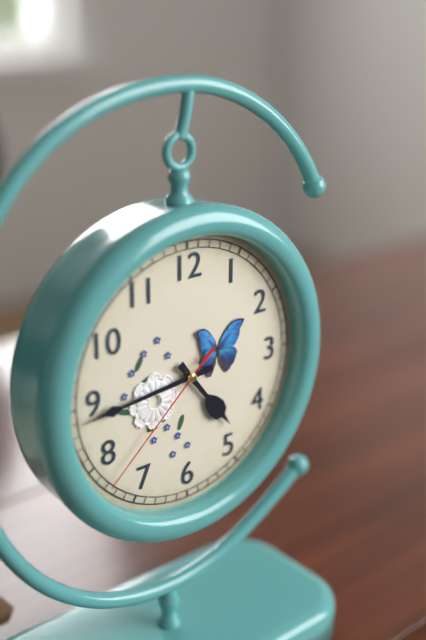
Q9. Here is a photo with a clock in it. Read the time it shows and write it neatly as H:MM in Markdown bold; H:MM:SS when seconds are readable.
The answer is **4:44:38**
